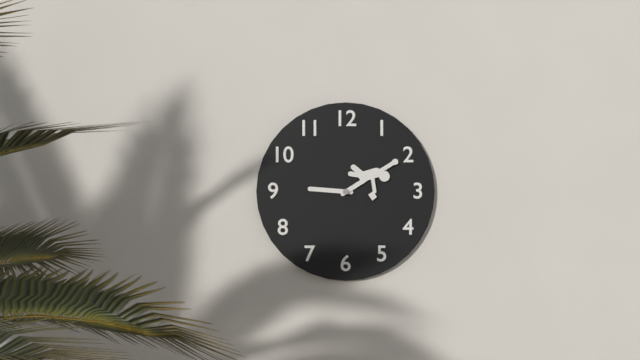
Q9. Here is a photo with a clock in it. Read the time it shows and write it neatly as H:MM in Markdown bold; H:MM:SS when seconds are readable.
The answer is **9:09**
